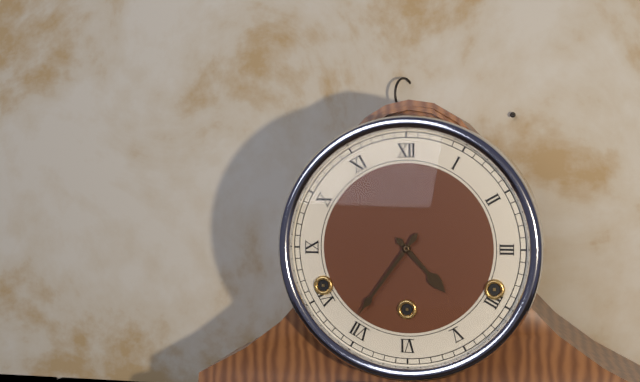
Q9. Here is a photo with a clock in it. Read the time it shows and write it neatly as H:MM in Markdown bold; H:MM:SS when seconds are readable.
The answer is **4:36**
